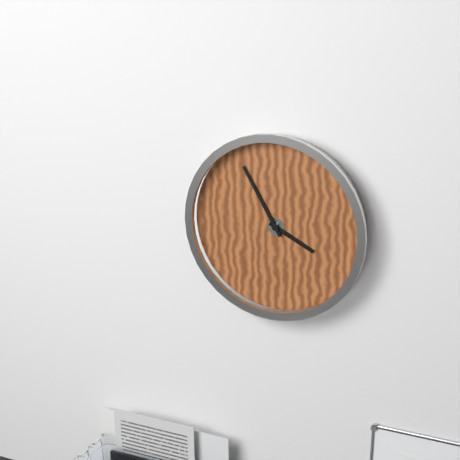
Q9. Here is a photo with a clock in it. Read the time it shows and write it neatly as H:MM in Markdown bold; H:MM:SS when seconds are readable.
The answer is **3:55**
